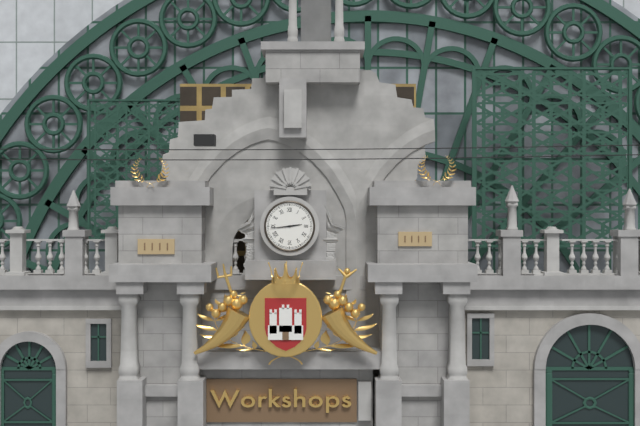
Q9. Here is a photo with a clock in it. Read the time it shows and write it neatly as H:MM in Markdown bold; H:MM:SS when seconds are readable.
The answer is **2:44**
